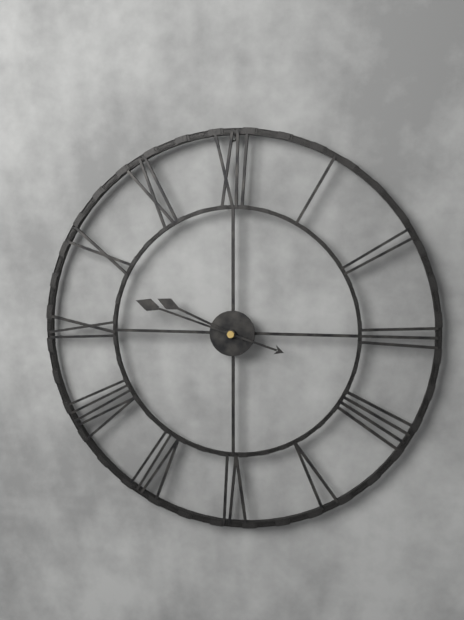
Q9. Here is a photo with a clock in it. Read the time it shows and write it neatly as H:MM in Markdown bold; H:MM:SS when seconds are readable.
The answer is **9:48**
